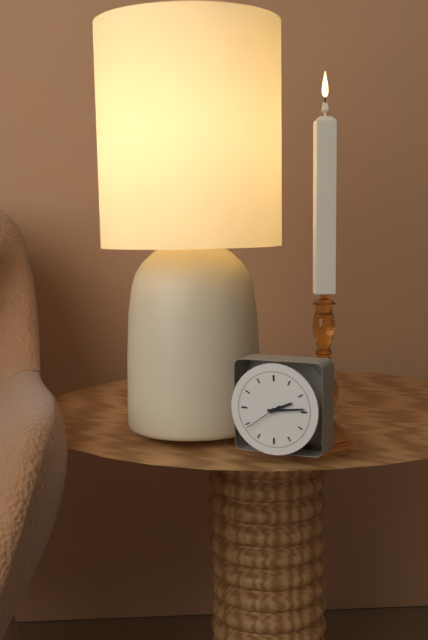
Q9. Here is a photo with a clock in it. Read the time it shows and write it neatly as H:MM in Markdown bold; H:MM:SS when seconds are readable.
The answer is **2:14:39**
